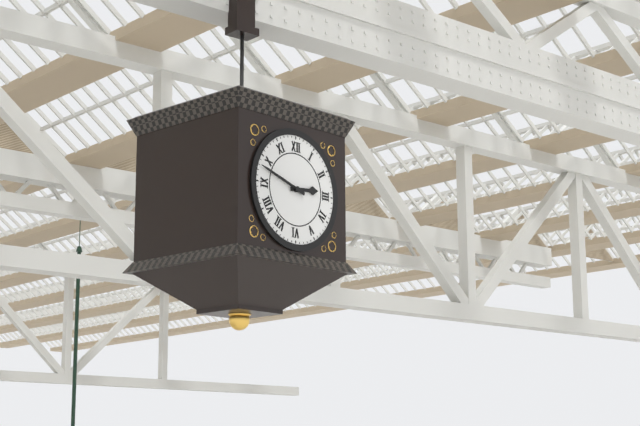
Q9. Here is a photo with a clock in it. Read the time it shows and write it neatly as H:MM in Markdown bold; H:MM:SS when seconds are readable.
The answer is **2:48**
